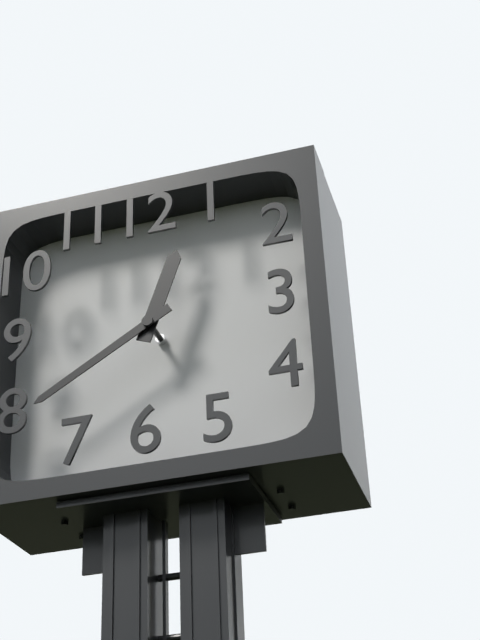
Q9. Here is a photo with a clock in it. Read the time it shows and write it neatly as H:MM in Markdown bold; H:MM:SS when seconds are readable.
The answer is **12:40**
